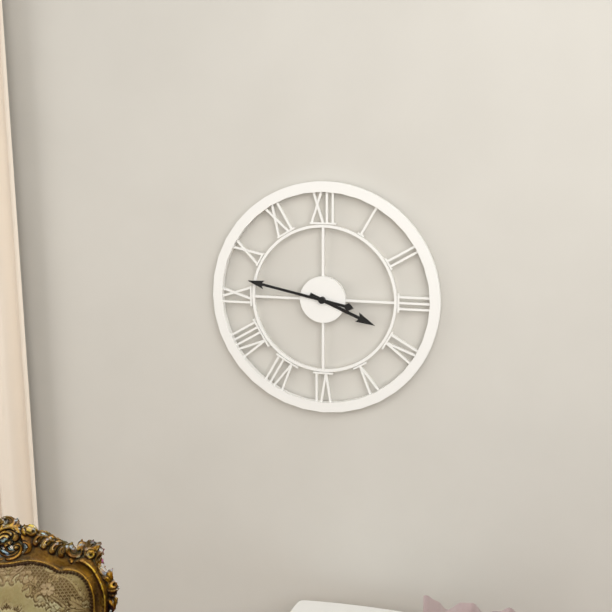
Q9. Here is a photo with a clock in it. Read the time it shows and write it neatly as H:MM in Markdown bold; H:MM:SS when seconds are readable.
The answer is **3:47**
